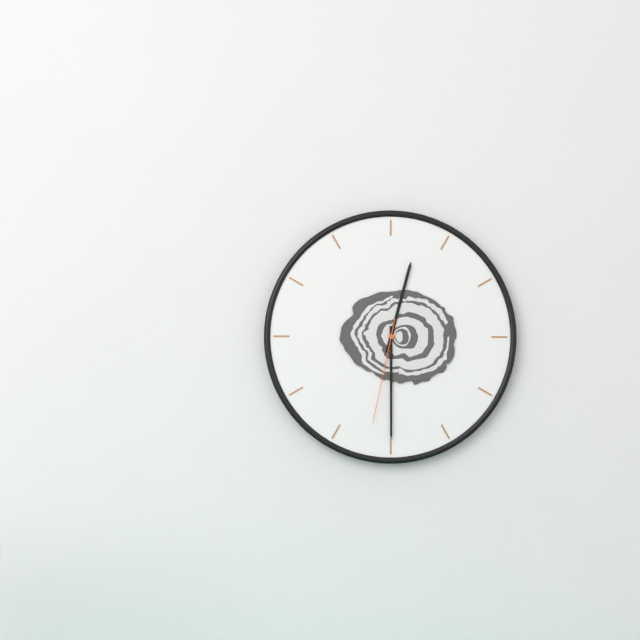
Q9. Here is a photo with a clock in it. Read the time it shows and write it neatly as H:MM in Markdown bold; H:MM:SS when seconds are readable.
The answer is **12:30:32**
